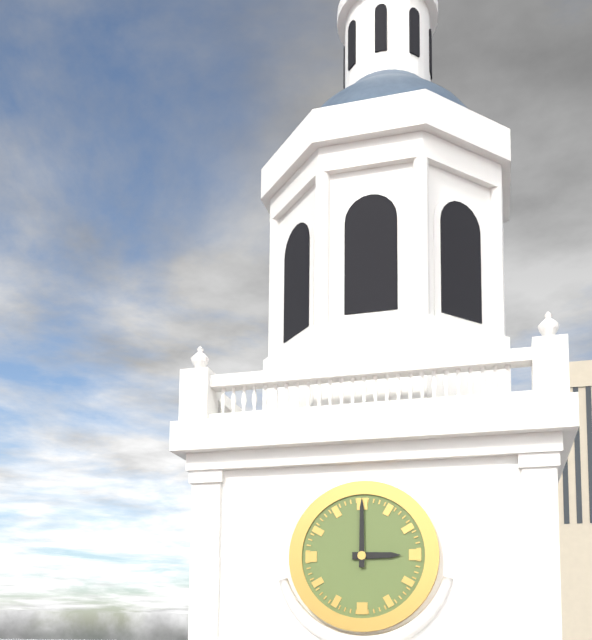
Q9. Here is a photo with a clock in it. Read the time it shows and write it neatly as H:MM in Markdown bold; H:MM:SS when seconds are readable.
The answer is **3:00**
